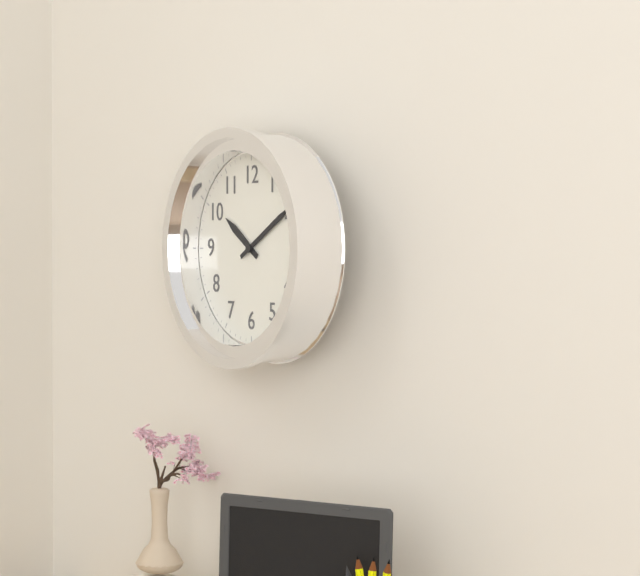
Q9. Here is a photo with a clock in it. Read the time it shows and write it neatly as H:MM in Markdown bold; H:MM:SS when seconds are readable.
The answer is **10:10**
